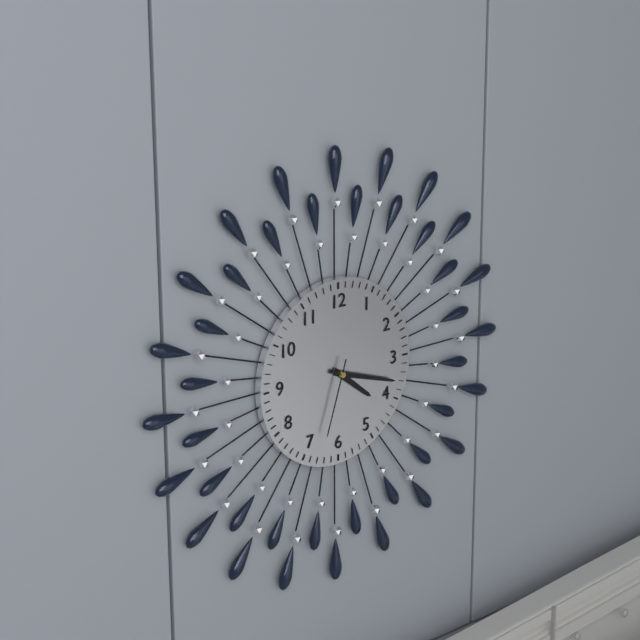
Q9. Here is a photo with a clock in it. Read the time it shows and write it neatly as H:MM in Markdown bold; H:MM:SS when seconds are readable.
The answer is **4:18:33**
